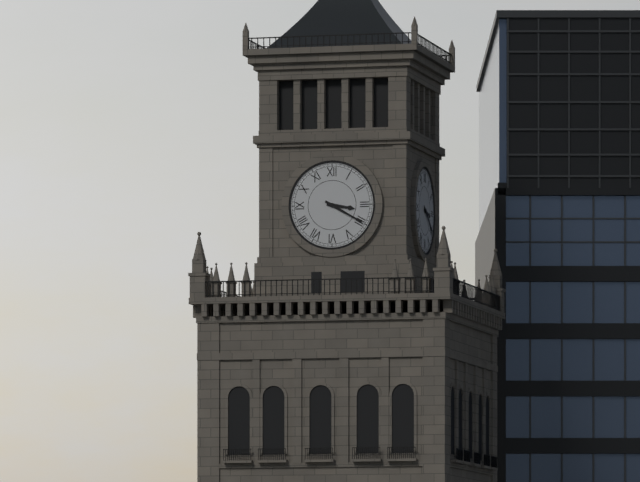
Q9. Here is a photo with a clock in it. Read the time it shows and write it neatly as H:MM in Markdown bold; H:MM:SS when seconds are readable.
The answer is **3:20**
